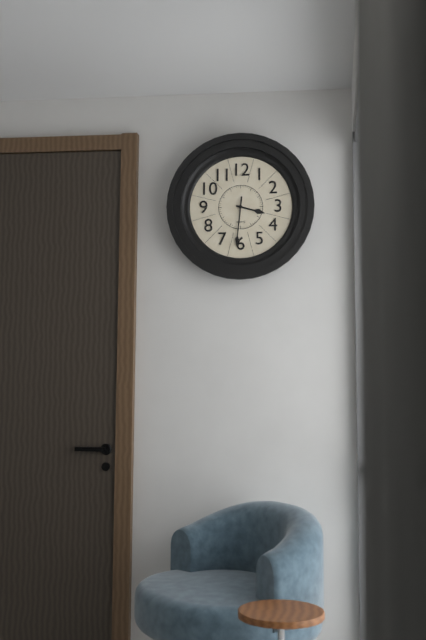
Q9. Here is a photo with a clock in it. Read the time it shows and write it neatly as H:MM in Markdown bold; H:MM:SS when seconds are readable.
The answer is **3:31**
